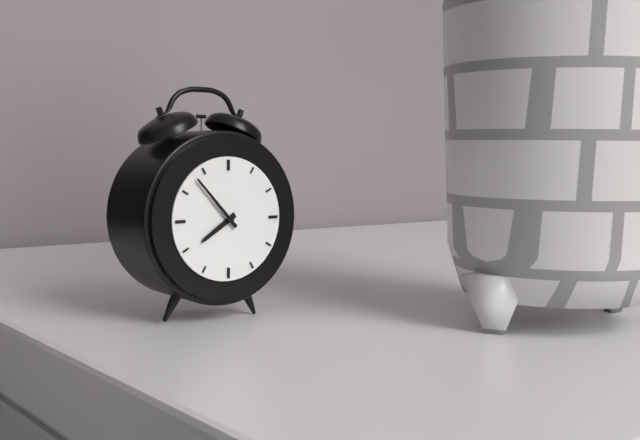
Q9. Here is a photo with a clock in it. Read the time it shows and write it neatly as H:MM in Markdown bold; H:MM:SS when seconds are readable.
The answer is **7:53**
